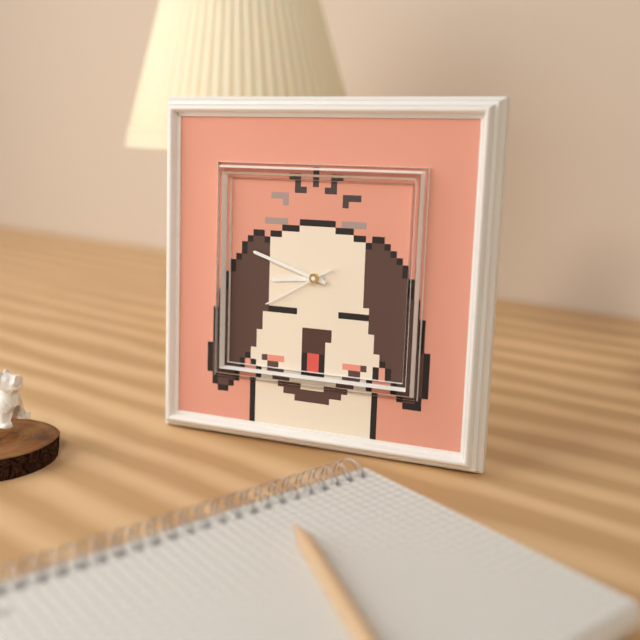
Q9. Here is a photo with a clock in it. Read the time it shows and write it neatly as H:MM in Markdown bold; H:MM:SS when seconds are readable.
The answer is **8:48:40**
